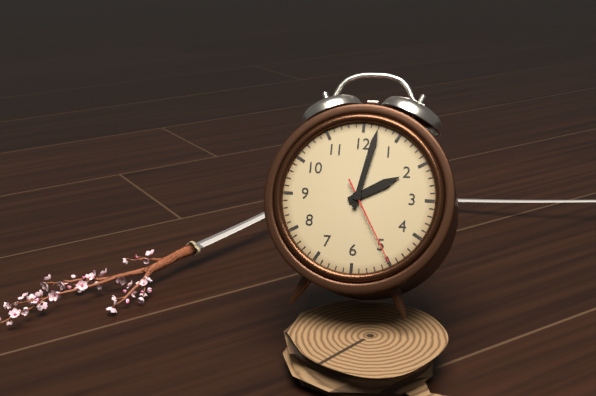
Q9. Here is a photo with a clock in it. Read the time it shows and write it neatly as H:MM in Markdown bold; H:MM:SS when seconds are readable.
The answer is **2:02:25**
